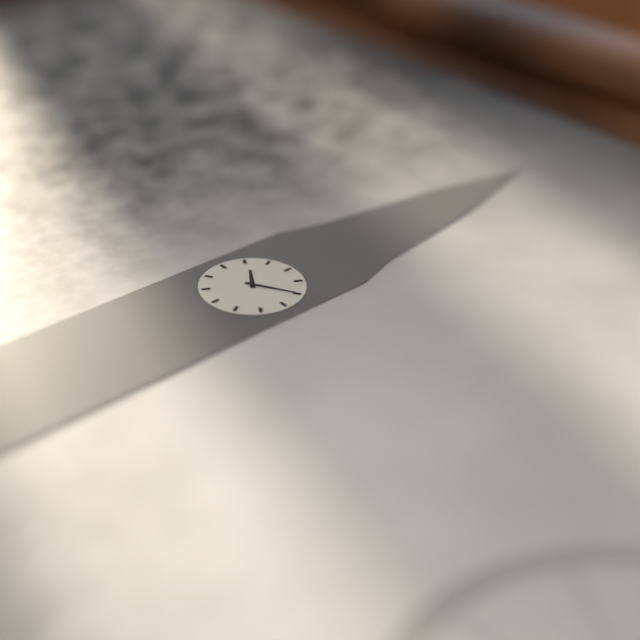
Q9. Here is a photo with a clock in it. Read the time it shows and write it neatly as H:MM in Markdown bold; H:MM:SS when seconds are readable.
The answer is **10:10**
